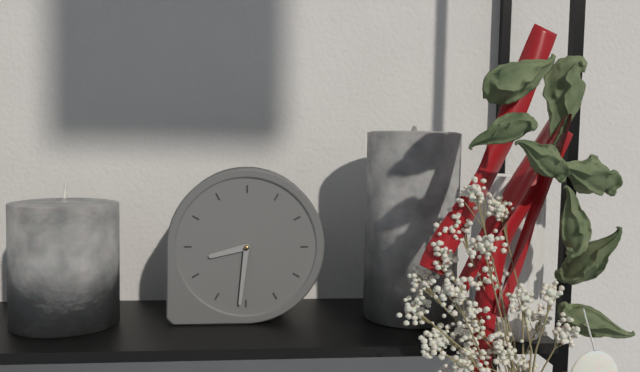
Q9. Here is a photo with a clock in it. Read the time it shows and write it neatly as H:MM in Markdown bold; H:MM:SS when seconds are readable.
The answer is **8:31**
